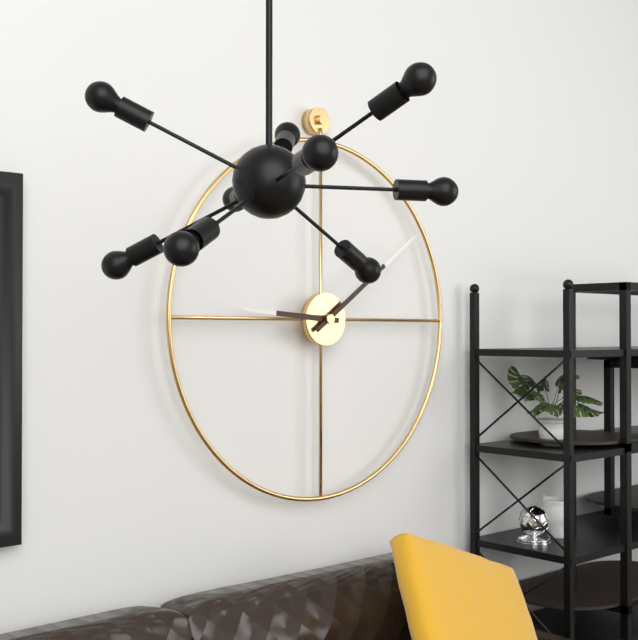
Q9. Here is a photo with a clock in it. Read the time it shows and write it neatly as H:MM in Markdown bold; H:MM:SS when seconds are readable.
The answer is **9:09**
